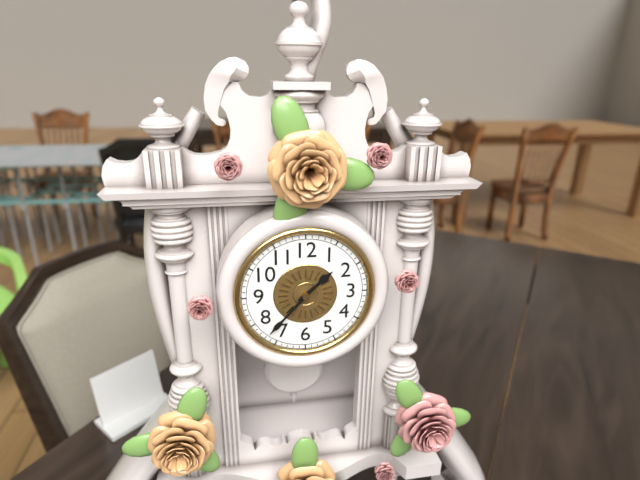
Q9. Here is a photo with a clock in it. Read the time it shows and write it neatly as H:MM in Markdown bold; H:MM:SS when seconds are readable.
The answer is **1:37**
